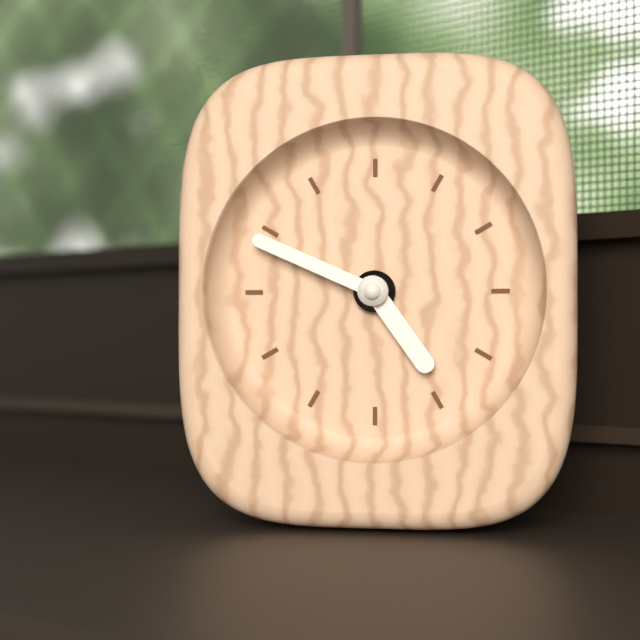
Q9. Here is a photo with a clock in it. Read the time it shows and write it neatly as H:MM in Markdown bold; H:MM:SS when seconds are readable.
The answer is **4:49**
